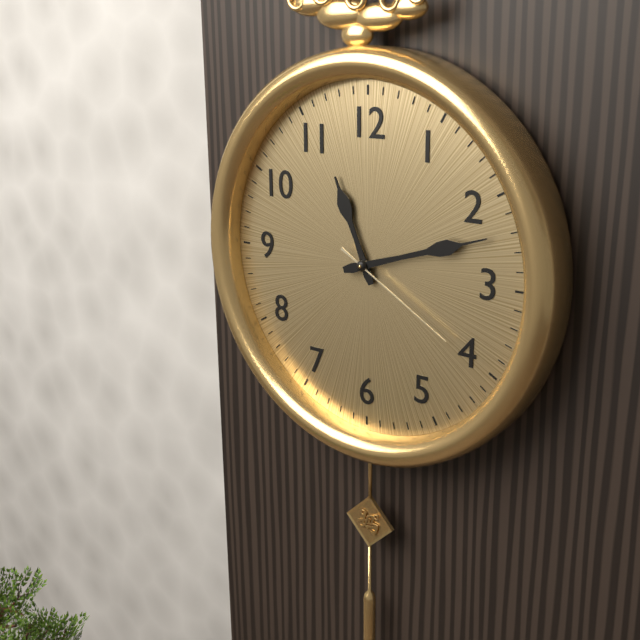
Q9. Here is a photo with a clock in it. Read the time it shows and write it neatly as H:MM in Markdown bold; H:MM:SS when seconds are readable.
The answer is **11:12:20**
